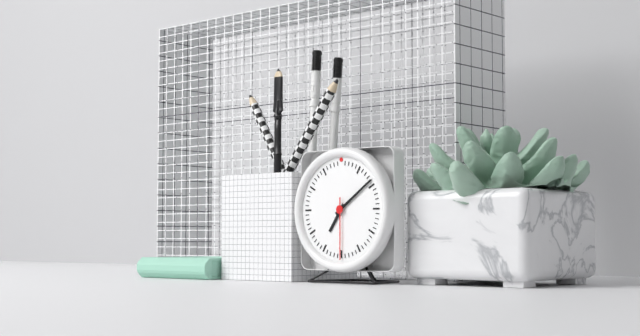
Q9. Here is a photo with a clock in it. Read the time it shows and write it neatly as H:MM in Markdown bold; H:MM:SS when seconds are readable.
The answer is **7:09:30**
